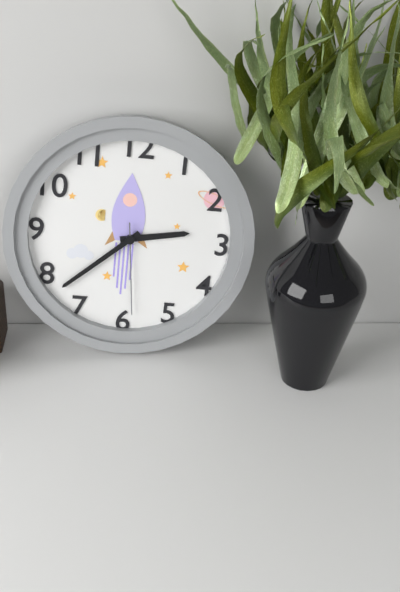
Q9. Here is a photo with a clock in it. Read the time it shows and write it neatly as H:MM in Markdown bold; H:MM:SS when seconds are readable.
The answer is **2:38:29**
